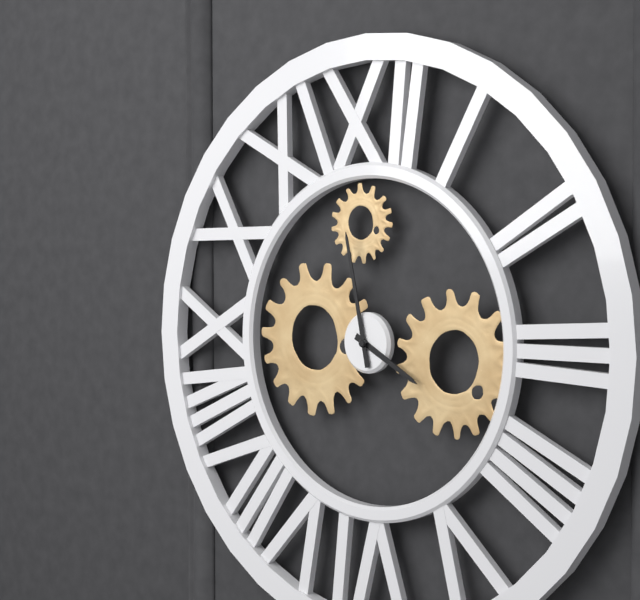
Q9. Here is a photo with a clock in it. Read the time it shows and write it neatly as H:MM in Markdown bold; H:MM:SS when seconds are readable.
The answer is **3:58**
